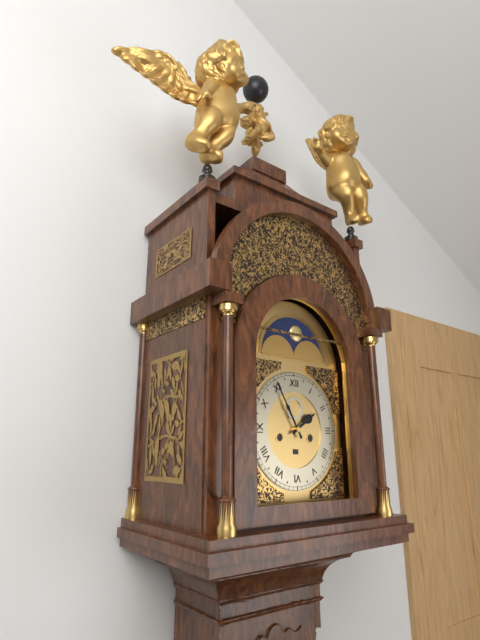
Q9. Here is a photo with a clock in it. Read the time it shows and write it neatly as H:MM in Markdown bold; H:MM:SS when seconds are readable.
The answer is **1:55**
